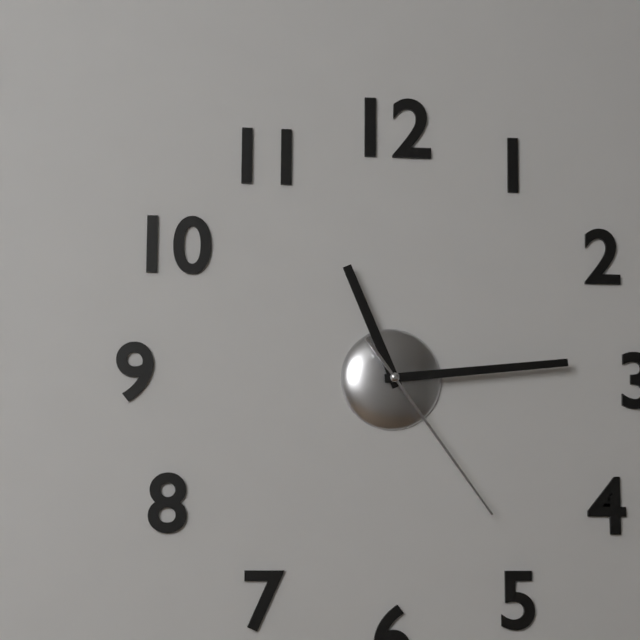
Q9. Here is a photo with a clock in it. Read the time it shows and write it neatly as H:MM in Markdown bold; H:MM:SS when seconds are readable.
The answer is **11:14:24**
